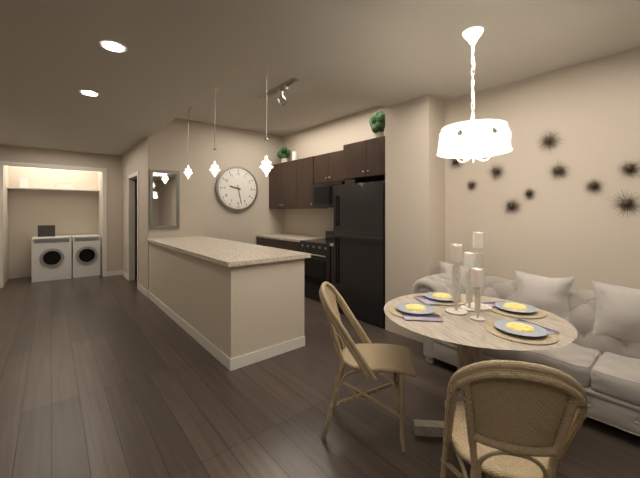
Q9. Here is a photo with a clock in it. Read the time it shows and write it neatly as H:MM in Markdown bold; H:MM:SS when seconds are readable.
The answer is **9:28**
